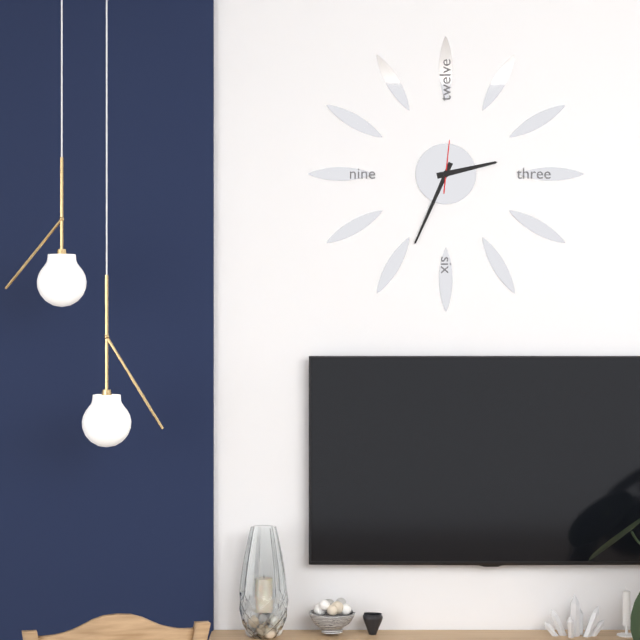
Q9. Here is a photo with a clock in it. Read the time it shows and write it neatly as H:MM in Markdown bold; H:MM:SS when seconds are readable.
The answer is **2:34**
